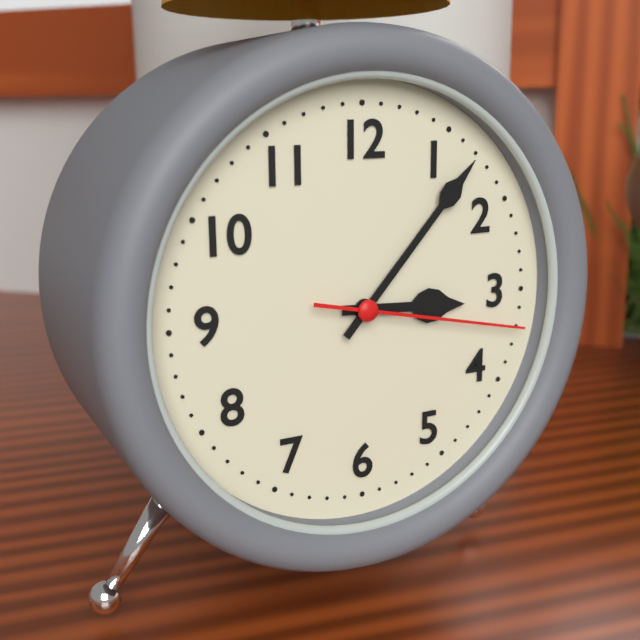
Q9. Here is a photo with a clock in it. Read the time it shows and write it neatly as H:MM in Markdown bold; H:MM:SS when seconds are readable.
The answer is **3:07:17**
